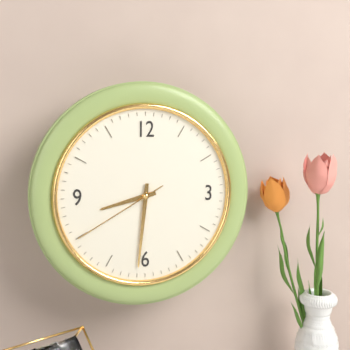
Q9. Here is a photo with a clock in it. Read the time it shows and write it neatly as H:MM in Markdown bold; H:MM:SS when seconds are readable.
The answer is **8:31:40**
